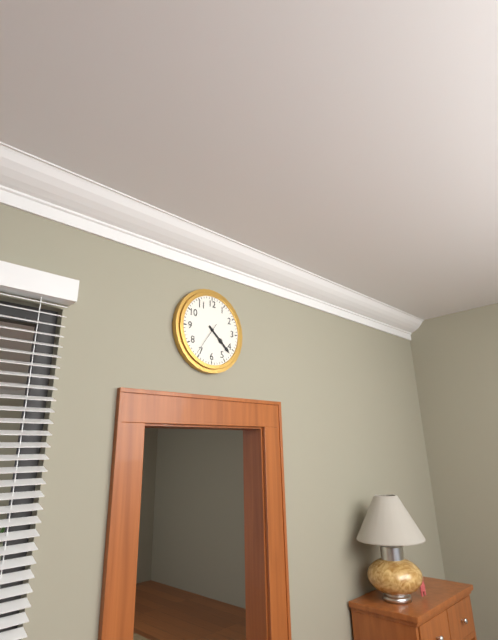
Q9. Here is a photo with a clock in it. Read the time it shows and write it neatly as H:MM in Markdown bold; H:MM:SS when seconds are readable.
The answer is **4:22**
